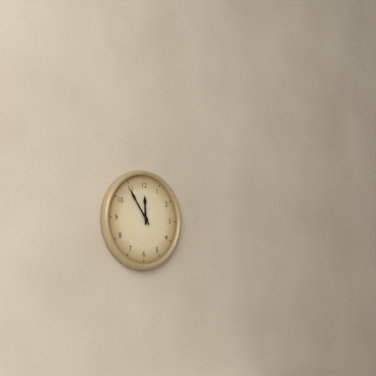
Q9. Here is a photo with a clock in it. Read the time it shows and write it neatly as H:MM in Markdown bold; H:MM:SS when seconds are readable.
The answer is **11:54**
